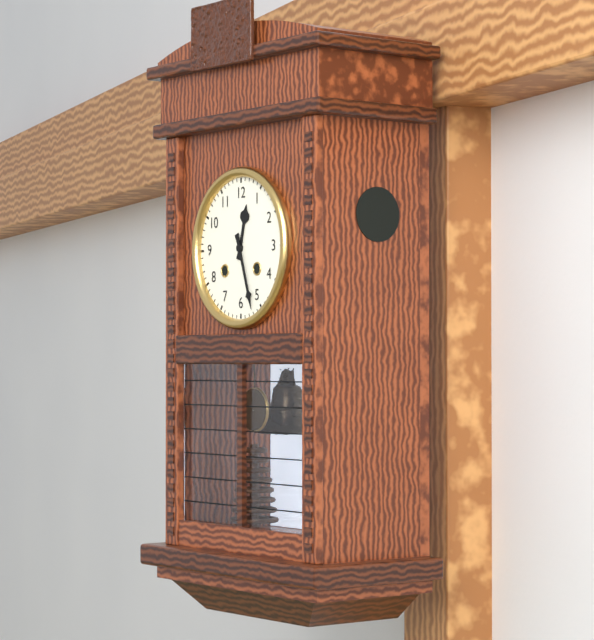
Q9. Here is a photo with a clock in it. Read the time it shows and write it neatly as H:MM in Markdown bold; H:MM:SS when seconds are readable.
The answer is **12:27**
